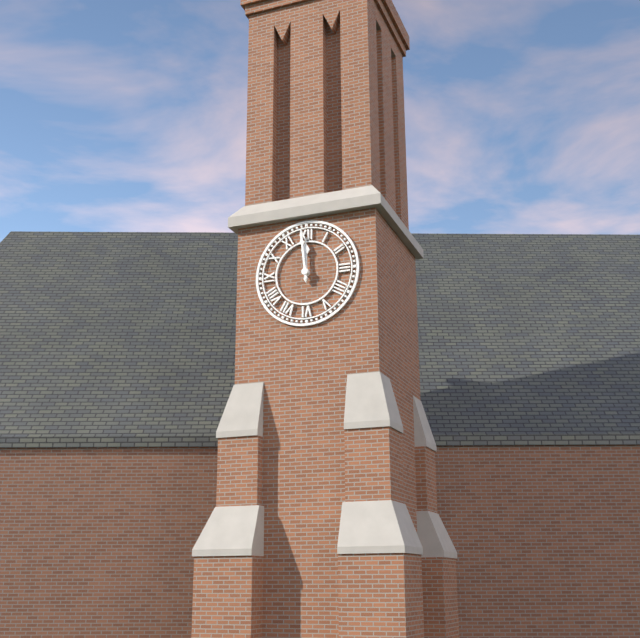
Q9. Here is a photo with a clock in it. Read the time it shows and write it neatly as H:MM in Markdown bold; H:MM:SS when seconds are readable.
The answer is **11:59**
